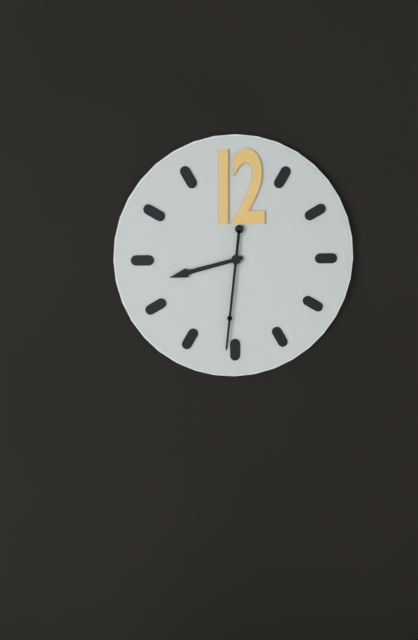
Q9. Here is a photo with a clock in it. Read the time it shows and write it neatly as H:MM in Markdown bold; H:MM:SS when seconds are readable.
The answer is **8:31**
